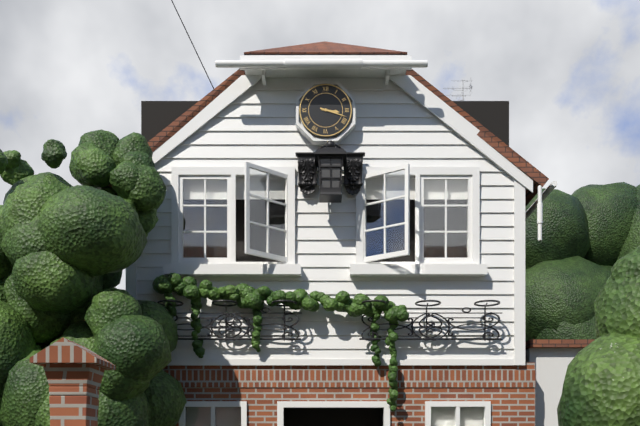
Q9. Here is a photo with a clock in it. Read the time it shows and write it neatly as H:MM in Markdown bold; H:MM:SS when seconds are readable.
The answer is **3:18**
